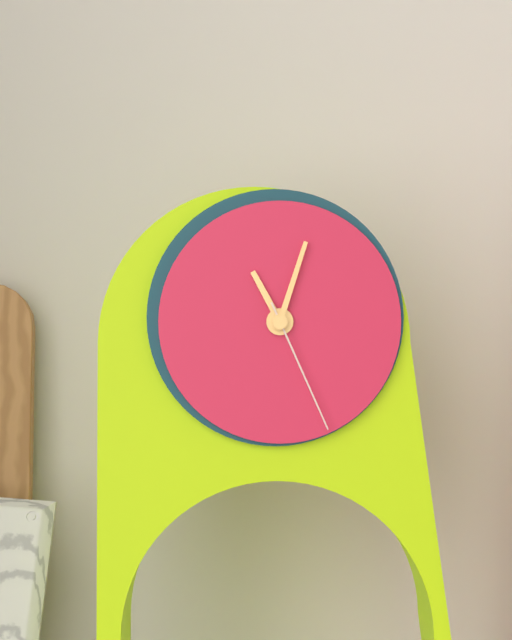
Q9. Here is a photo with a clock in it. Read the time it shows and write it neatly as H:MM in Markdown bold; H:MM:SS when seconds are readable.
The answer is **11:03:26**
